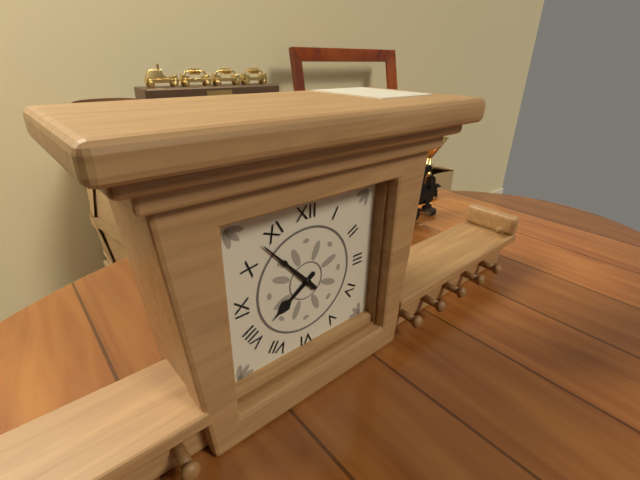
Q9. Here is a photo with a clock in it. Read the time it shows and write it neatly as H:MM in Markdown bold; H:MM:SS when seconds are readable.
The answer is **7:53**
